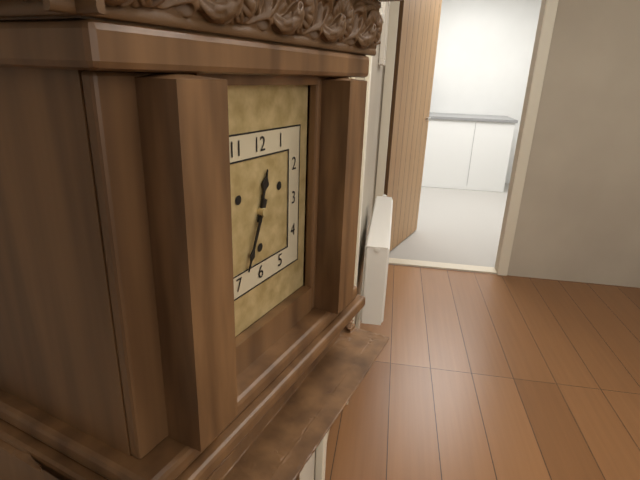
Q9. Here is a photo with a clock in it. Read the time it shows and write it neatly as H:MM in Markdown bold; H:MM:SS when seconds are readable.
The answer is **12:34**
